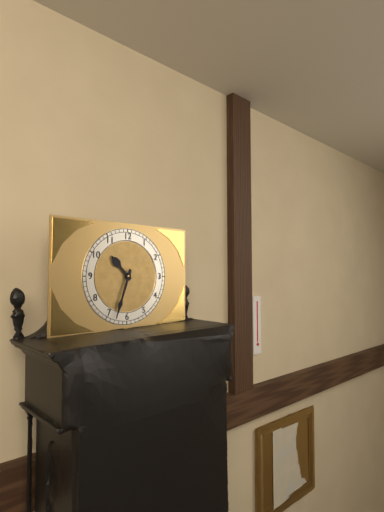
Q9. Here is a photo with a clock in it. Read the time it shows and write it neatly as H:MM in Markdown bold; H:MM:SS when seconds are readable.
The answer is **10:33**
